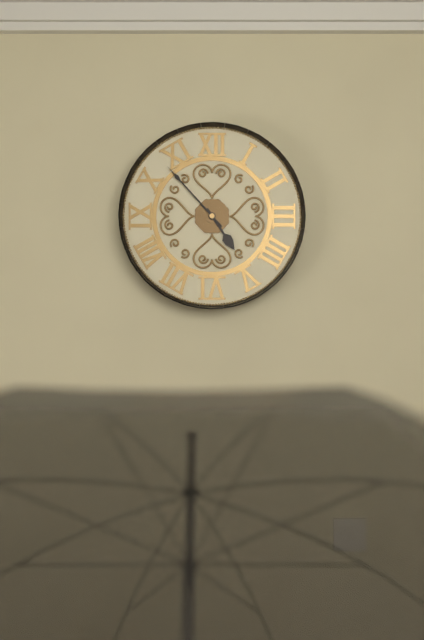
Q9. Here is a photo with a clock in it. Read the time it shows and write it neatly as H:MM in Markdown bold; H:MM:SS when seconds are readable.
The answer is **4:53**
